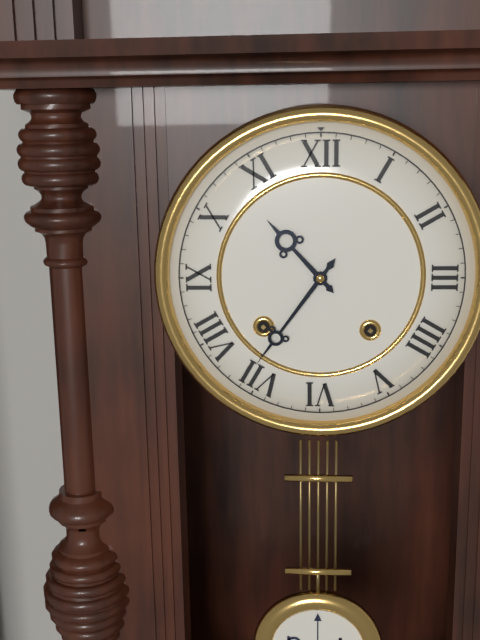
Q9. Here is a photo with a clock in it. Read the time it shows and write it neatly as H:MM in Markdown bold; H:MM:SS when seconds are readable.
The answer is **10:36**
